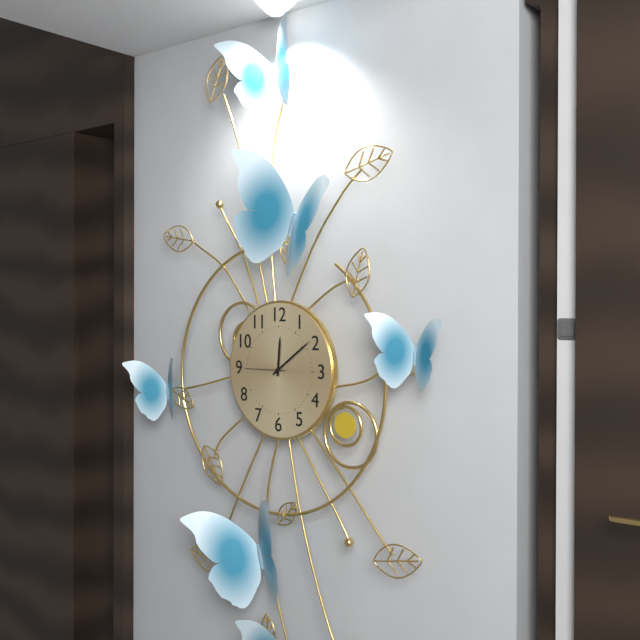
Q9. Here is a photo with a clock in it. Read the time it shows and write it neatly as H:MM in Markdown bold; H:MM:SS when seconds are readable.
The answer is **12:09**
